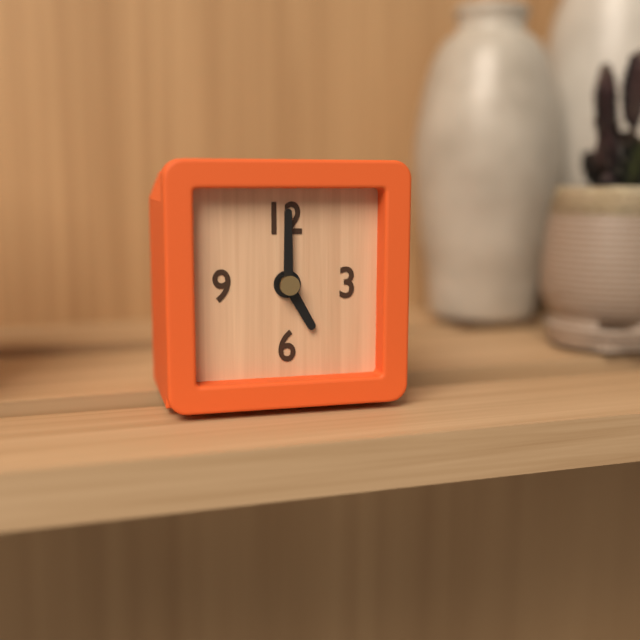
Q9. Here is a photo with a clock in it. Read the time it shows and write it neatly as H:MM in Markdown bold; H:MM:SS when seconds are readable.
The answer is **5:00**
